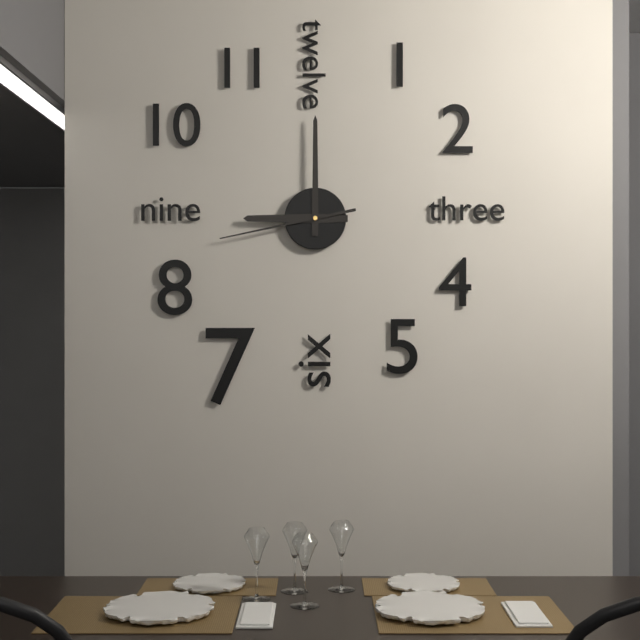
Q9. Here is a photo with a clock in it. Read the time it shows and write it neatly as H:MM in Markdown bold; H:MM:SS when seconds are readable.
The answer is **9:00:43**
